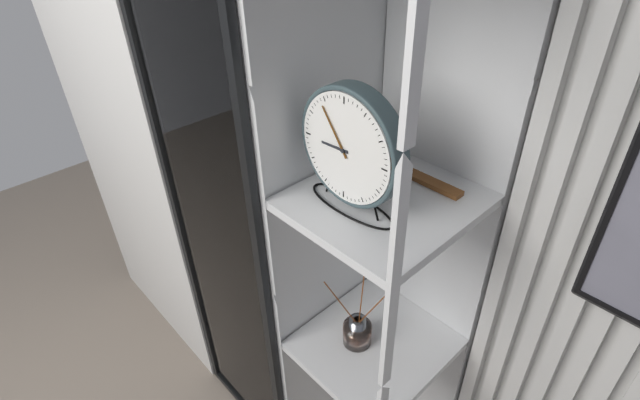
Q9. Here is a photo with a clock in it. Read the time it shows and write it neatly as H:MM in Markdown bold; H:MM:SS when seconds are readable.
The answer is **8:54**
